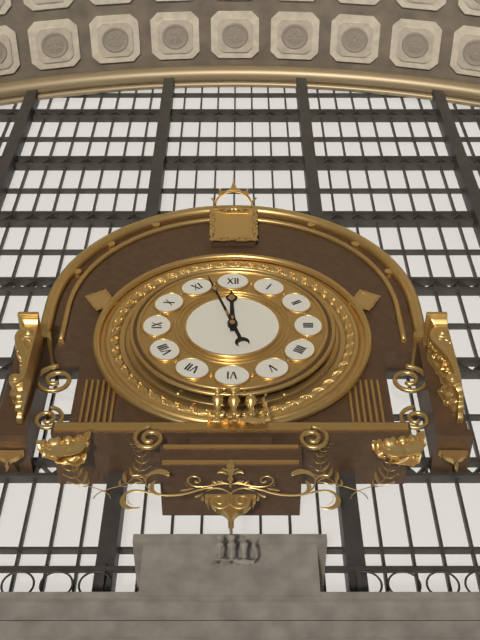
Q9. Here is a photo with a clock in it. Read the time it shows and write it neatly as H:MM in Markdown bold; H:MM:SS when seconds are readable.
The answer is **11:57**
